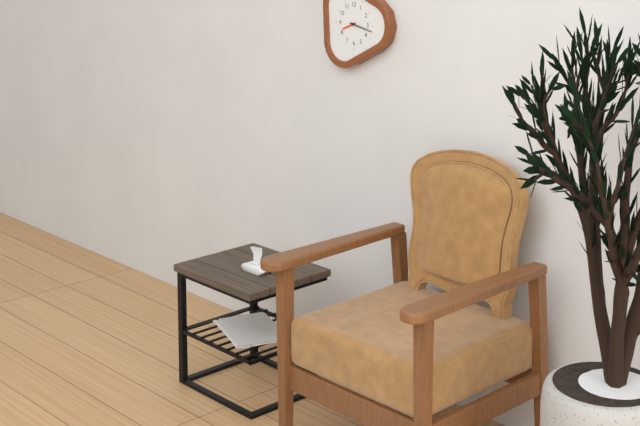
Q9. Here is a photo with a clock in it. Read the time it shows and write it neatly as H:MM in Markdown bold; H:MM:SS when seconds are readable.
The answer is **8:17**
